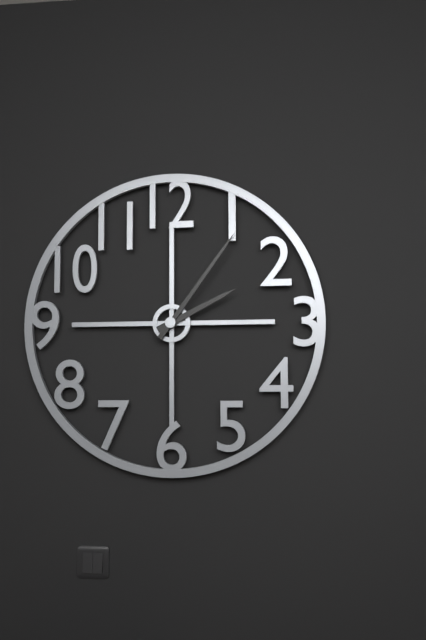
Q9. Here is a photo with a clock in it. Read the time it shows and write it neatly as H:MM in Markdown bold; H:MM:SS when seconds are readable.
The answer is **2:06**
